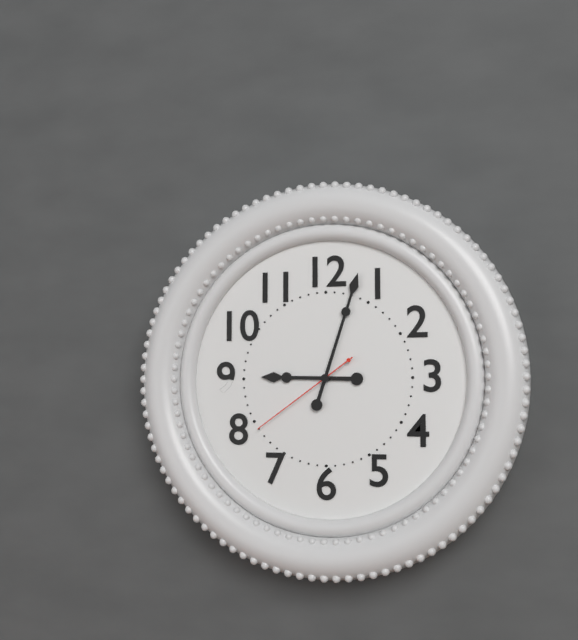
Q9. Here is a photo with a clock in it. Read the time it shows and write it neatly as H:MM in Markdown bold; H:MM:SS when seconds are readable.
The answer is **9:03:39**
